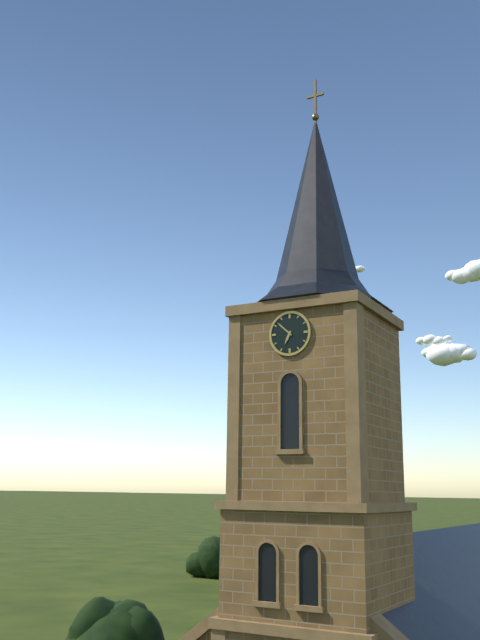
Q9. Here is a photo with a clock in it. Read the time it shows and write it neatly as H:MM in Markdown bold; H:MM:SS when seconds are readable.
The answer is **6:52**
